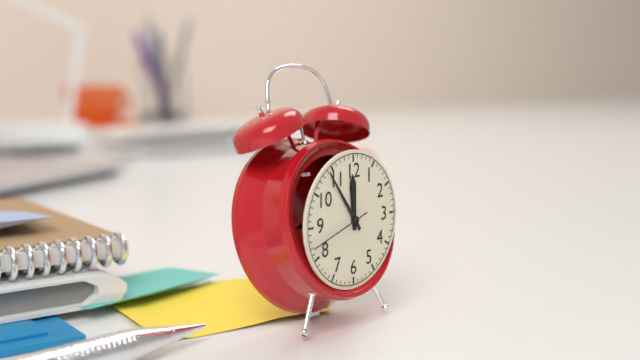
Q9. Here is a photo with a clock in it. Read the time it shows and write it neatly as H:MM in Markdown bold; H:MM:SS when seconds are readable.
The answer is **11:54:42**
